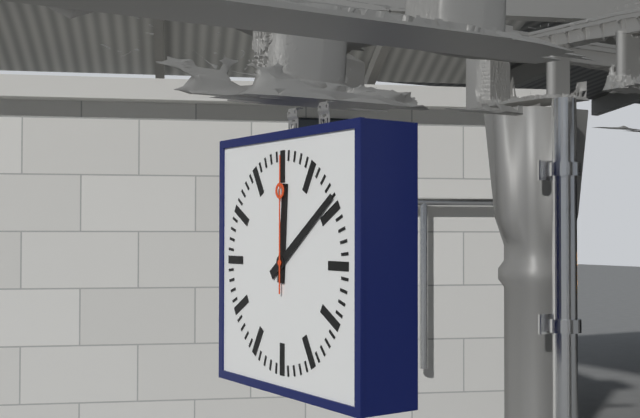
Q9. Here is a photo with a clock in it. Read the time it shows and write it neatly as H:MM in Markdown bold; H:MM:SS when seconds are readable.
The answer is **12:09:00**
